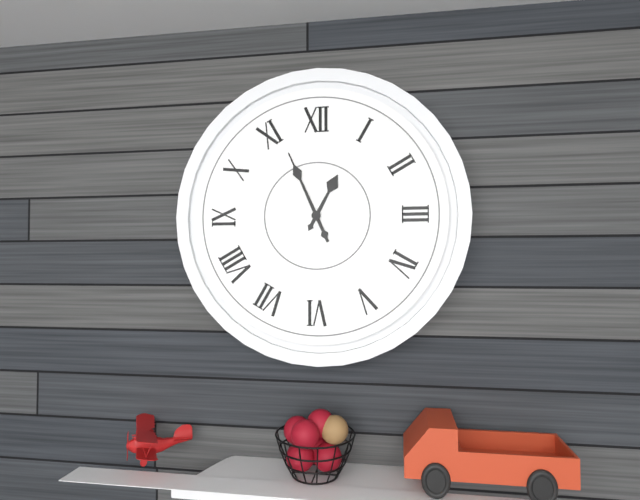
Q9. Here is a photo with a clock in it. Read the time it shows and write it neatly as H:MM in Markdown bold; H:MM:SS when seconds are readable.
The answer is **12:56**
